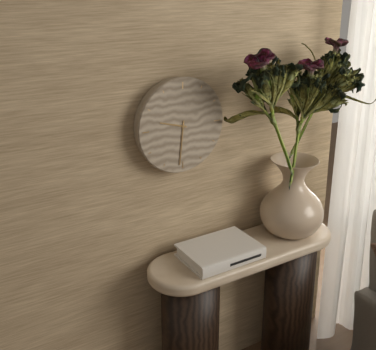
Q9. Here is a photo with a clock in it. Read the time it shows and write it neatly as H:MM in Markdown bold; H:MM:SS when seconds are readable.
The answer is **9:31**
